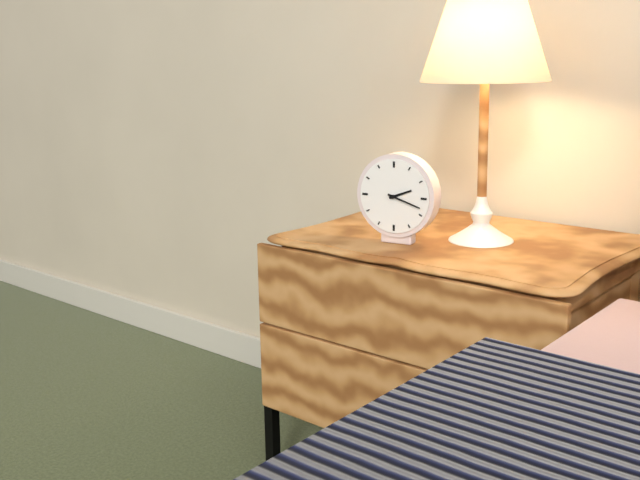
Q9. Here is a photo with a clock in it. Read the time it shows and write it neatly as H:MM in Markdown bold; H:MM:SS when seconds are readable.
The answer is **2:18**
